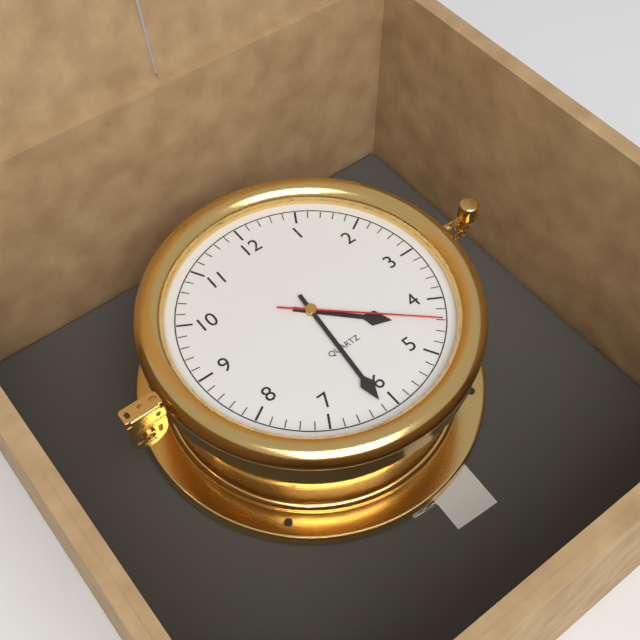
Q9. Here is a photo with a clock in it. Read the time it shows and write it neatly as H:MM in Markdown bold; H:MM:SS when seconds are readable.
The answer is **4:31:22**
